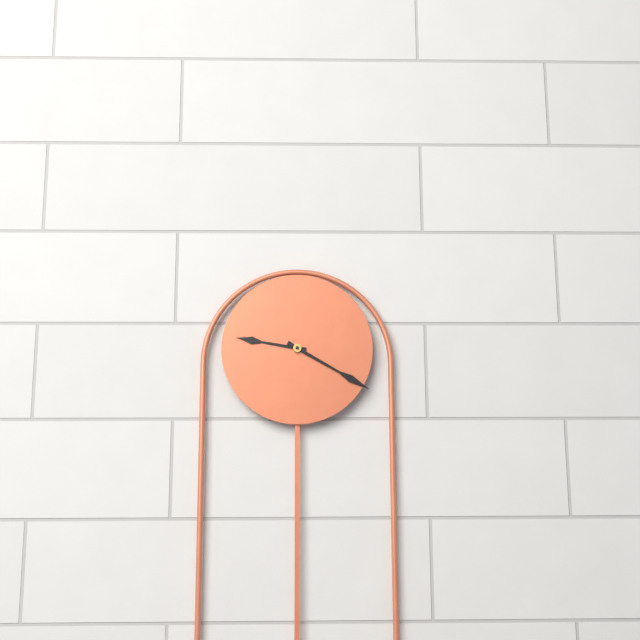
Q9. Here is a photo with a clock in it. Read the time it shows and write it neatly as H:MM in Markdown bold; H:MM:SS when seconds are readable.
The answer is **9:20**
